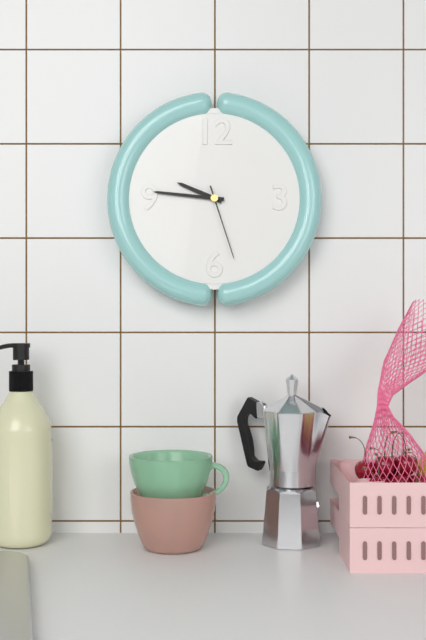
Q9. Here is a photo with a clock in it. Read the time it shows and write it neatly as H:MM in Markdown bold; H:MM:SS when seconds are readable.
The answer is **9:46:27**
